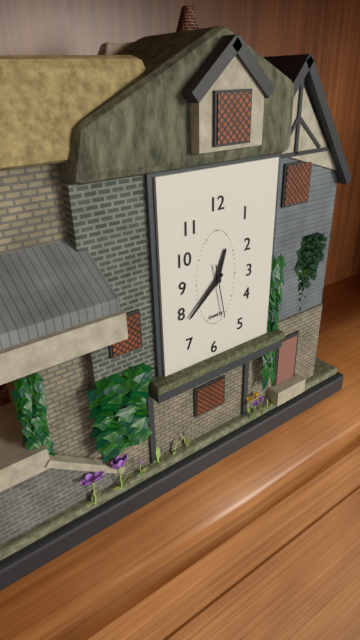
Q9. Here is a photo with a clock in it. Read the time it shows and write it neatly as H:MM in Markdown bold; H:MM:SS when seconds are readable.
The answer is **12:38:28**
